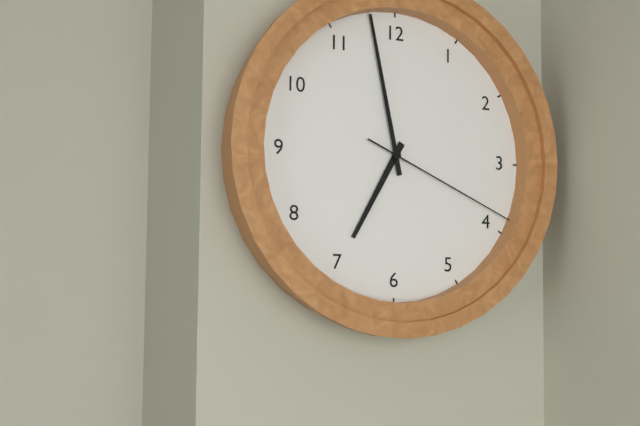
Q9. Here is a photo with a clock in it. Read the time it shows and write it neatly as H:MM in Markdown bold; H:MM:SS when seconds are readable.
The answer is **6:58:19**
